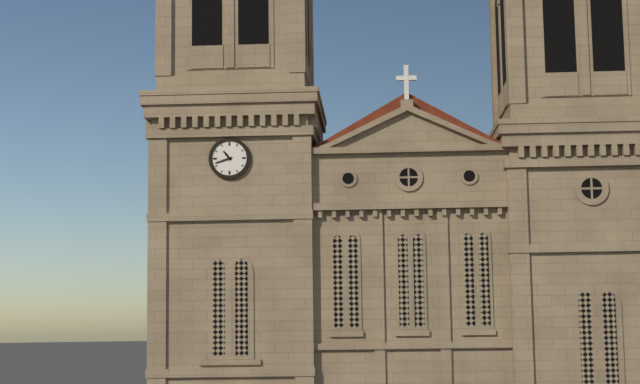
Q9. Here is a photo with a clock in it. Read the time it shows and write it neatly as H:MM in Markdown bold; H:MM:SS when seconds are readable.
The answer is **10:42**
